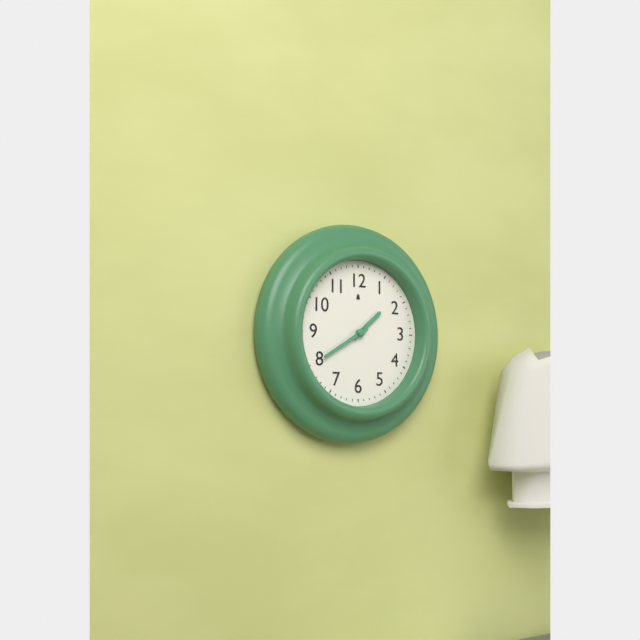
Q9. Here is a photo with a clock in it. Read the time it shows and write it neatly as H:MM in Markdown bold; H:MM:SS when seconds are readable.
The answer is **1:40**
